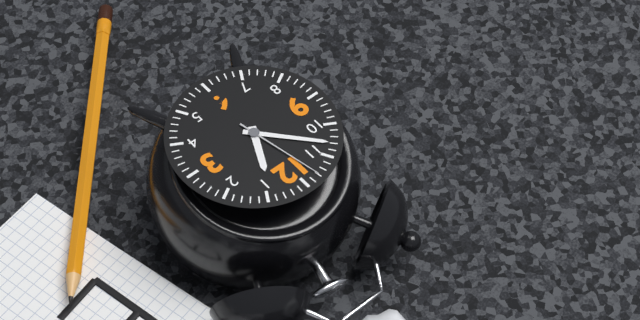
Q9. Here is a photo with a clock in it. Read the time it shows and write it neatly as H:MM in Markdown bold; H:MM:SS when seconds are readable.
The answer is **12:53:58**
